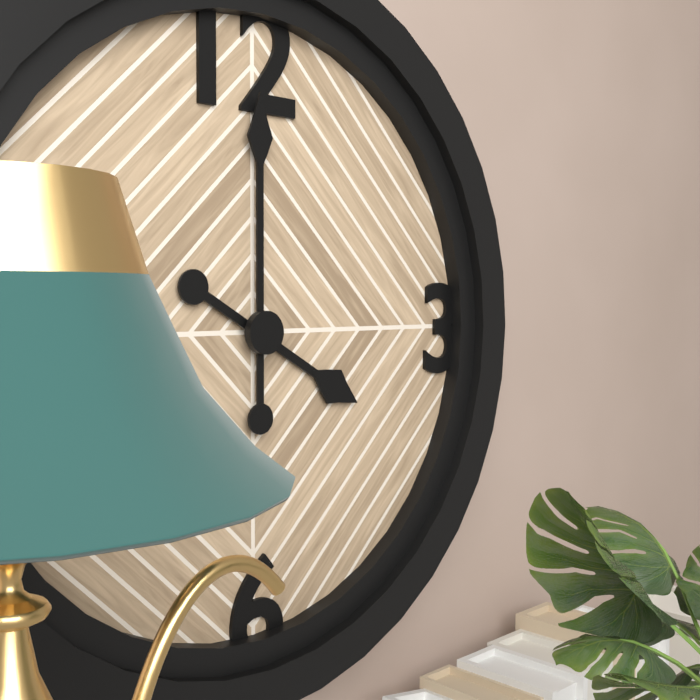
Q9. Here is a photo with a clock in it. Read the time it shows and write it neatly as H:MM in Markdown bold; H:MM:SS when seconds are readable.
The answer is **4:00**
